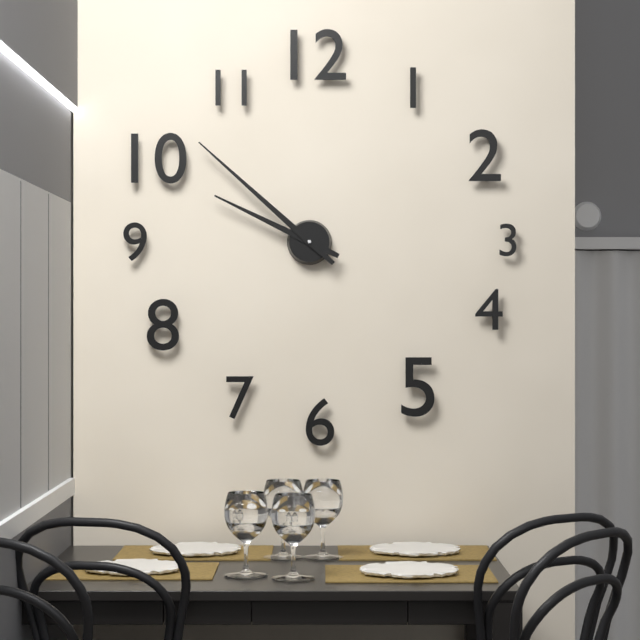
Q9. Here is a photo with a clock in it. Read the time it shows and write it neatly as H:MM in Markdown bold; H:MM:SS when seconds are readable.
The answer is **9:52**
